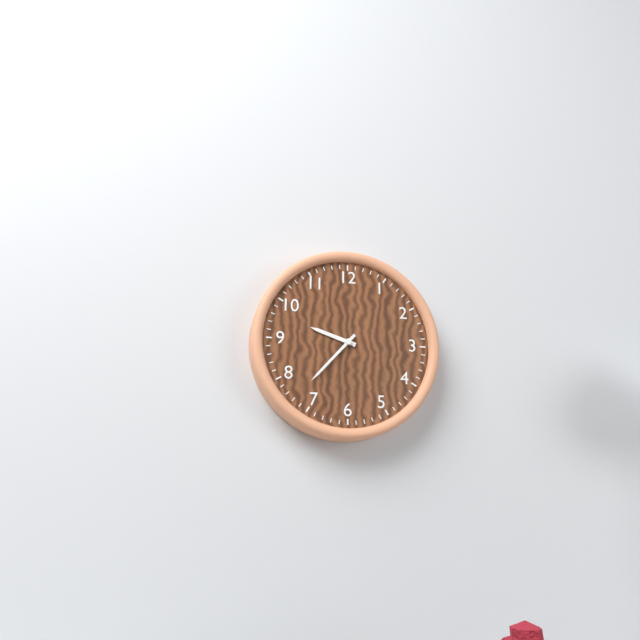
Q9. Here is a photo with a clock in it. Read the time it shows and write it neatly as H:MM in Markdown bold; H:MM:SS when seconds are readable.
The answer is **9:37**
